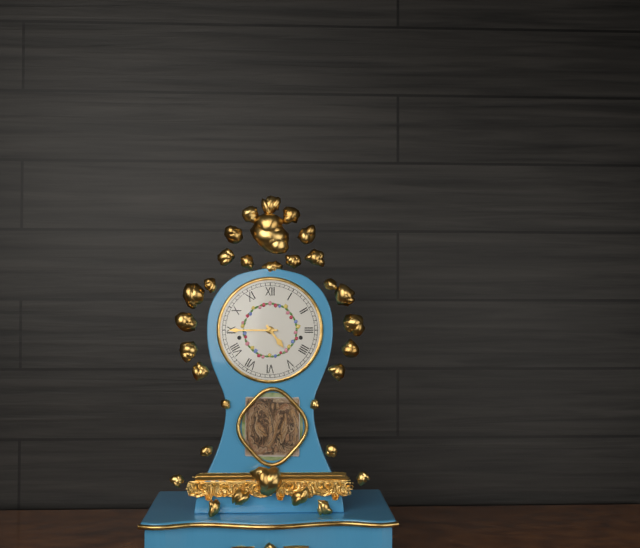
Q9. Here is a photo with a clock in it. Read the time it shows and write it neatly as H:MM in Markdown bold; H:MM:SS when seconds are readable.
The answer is **4:45**
